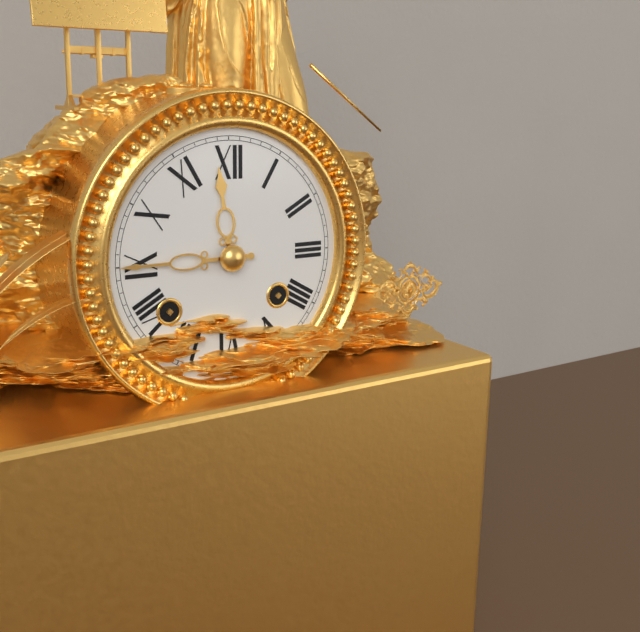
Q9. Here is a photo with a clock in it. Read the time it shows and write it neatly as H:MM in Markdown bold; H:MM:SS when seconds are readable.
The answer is **11:45**
